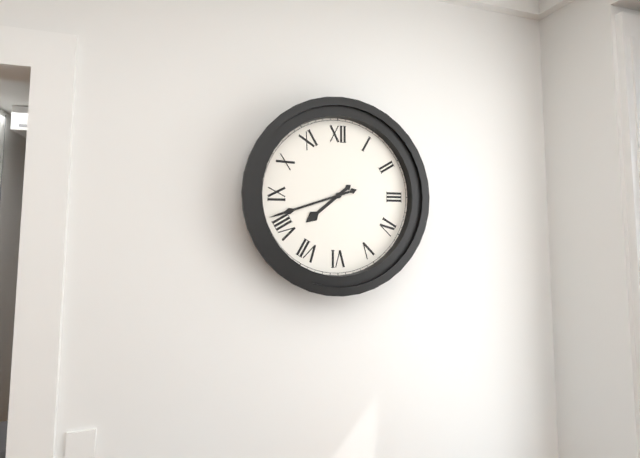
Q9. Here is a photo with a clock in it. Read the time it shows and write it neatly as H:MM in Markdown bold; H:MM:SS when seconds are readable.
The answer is **7:42**
